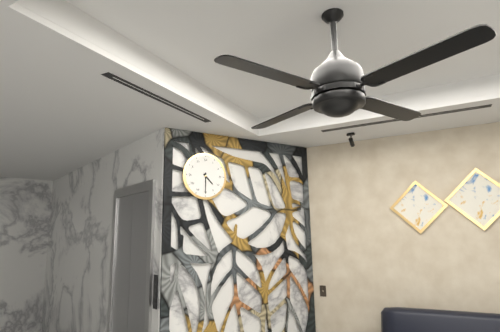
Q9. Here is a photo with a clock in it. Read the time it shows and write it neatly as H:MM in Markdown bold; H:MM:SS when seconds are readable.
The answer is **4:30**
